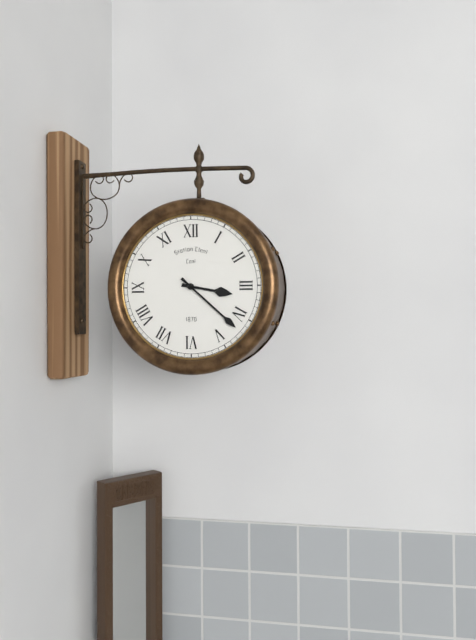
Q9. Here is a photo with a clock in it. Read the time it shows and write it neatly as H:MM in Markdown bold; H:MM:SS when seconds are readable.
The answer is **3:22**
